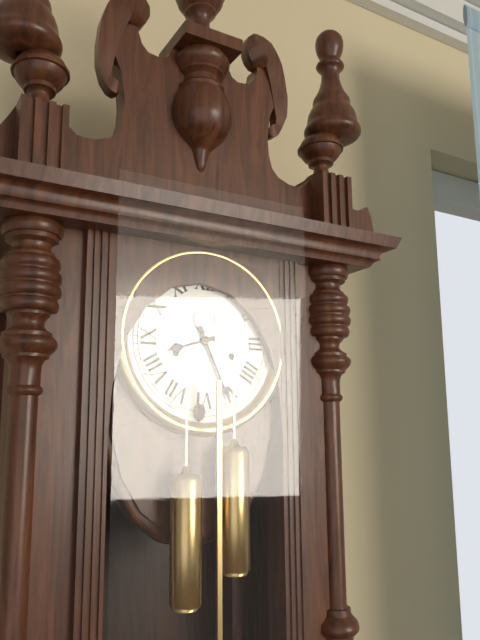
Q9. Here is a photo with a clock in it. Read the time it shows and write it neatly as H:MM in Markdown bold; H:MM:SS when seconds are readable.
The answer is **8:26**
